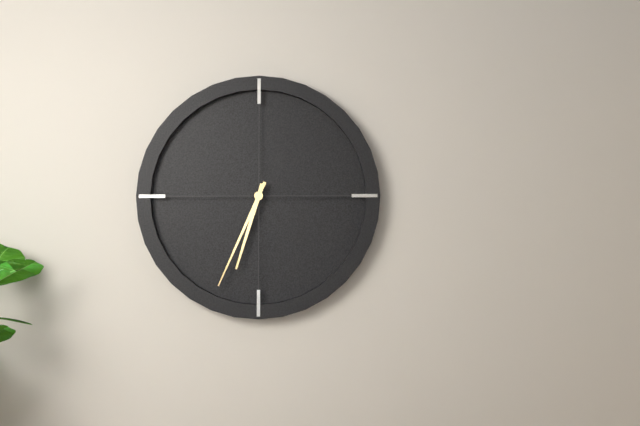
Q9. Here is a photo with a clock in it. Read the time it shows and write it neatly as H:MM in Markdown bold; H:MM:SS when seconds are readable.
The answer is **6:34**
